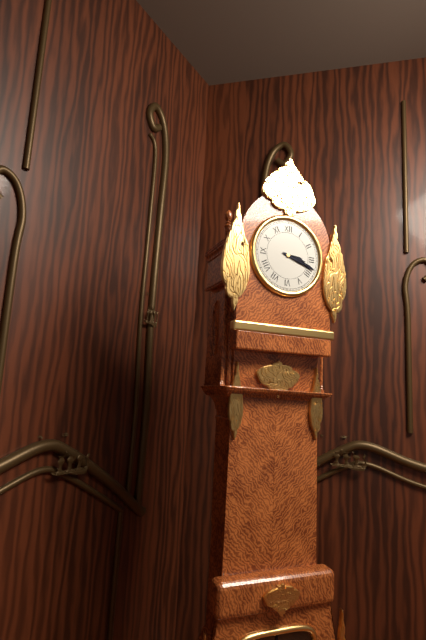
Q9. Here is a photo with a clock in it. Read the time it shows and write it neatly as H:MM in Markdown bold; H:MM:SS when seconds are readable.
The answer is **3:18**
